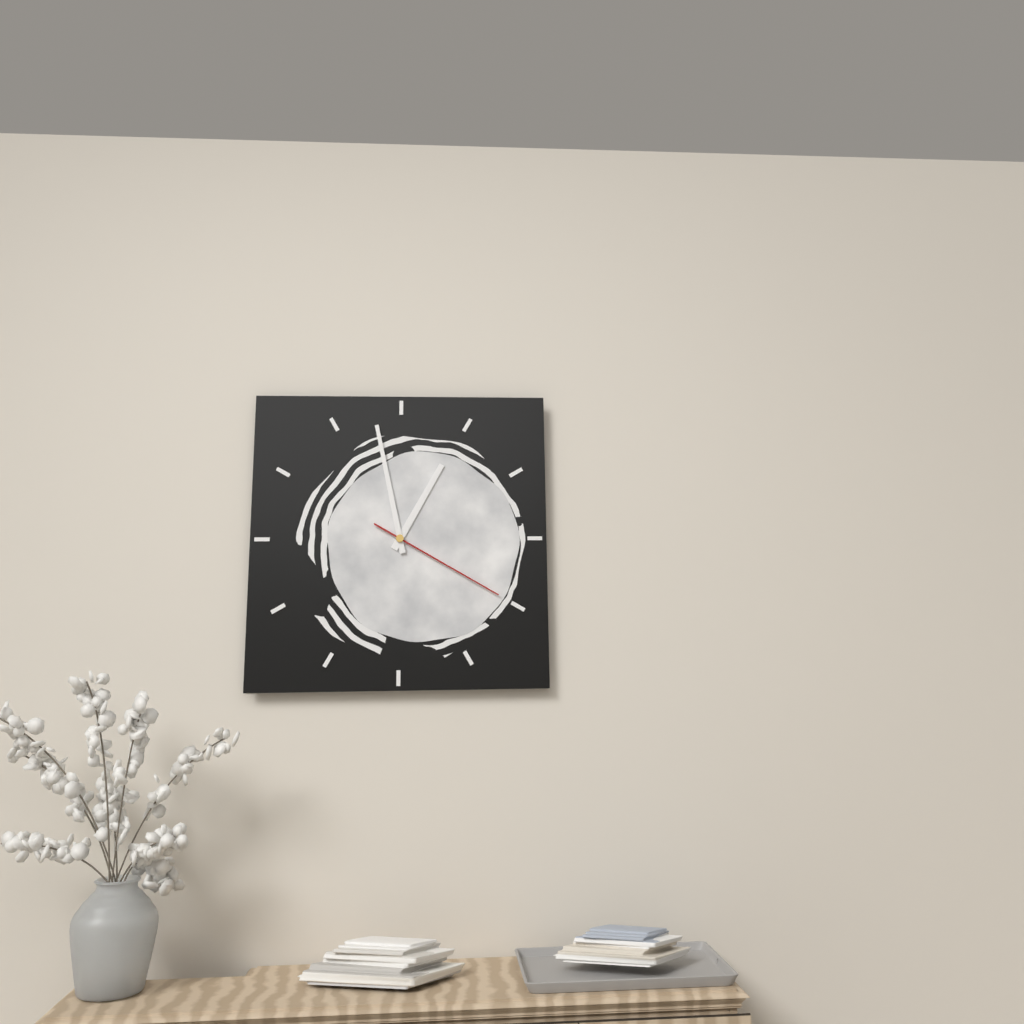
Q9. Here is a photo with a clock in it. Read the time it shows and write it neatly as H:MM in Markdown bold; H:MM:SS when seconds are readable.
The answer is **12:58:20**
